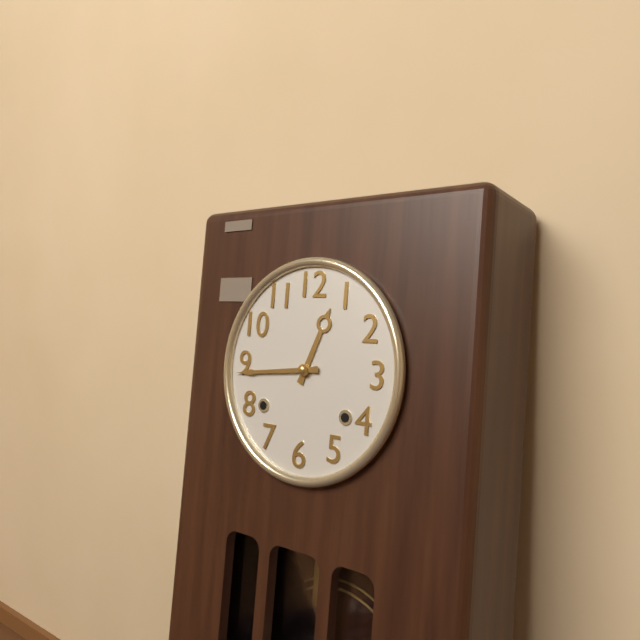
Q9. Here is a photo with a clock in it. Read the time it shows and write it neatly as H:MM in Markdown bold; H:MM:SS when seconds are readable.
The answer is **12:44**
